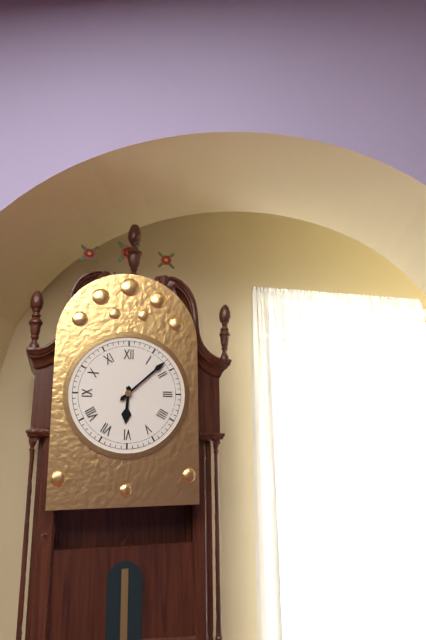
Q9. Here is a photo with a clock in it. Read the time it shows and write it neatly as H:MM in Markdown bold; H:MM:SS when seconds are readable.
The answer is **6:08**
